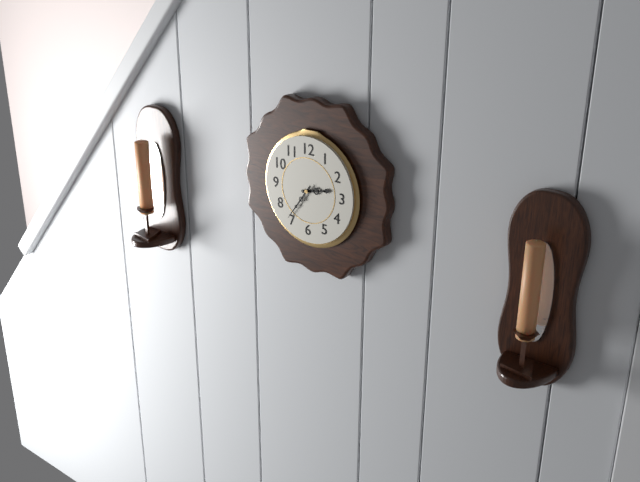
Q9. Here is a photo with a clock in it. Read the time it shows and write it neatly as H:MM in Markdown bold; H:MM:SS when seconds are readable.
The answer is **2:36**
